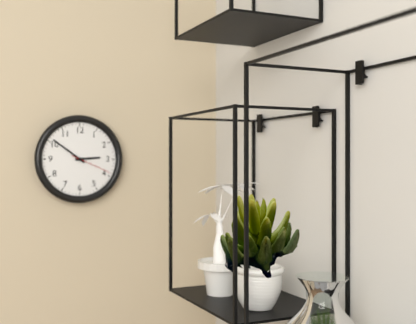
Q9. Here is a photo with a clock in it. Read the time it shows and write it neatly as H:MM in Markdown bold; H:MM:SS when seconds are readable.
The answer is **2:51**
